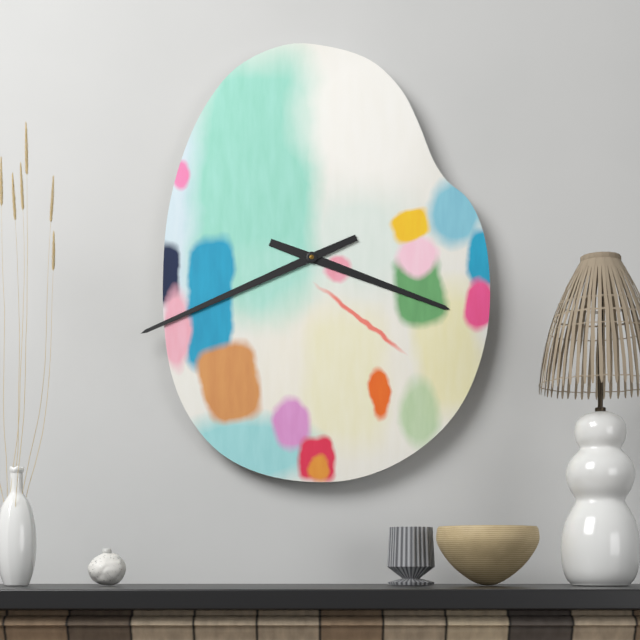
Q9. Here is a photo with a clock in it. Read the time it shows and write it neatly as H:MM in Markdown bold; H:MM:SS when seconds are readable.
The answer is **3:41**
